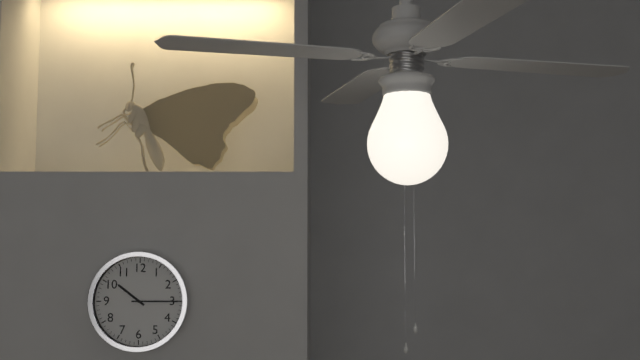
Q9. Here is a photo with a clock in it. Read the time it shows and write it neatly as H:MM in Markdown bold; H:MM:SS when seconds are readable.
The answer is **10:15**
